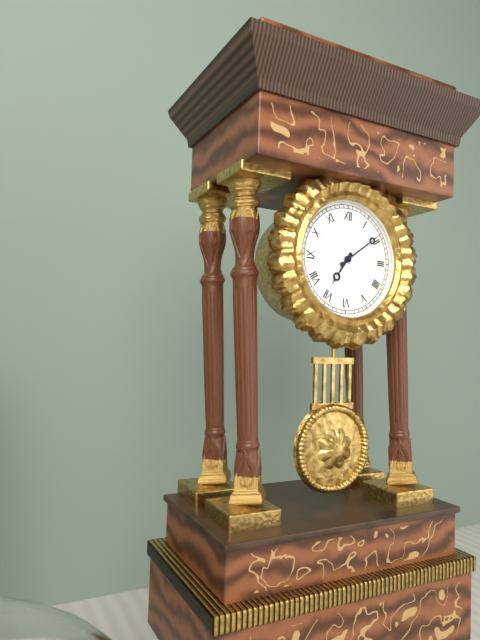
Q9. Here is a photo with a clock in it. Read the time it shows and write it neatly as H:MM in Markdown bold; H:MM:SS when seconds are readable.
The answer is **7:09**
